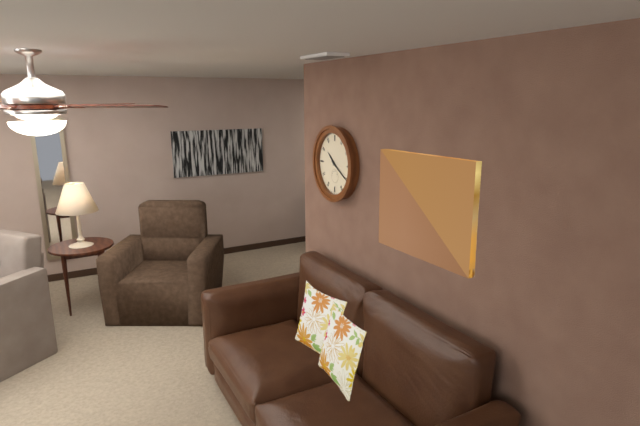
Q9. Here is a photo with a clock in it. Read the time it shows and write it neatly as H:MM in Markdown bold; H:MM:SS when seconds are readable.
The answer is **10:20**
